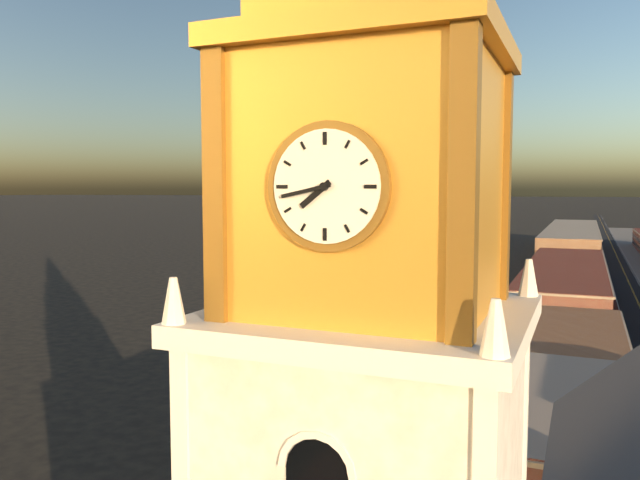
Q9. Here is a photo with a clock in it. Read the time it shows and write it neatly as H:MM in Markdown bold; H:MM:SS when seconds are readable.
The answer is **7:43**
